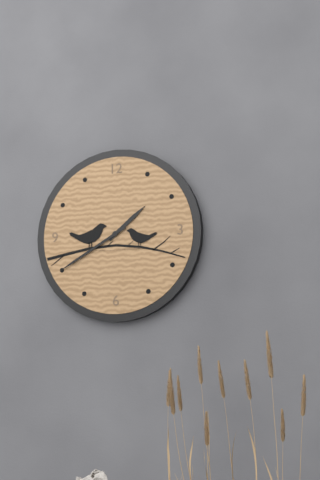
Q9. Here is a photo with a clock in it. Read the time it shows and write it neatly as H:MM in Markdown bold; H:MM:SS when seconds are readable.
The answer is **1:40**
